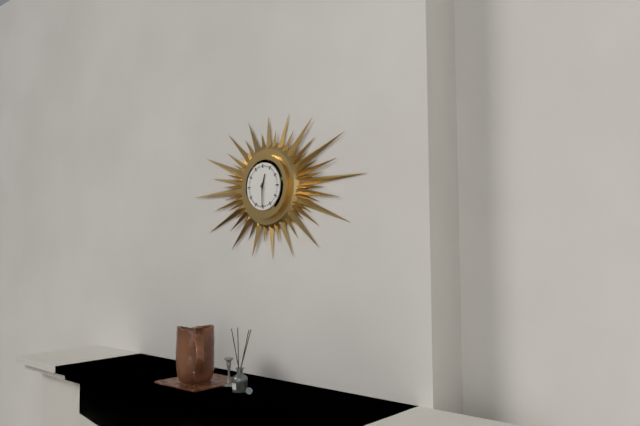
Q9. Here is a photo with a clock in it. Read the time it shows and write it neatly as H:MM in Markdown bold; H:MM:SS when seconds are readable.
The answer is **12:30**
